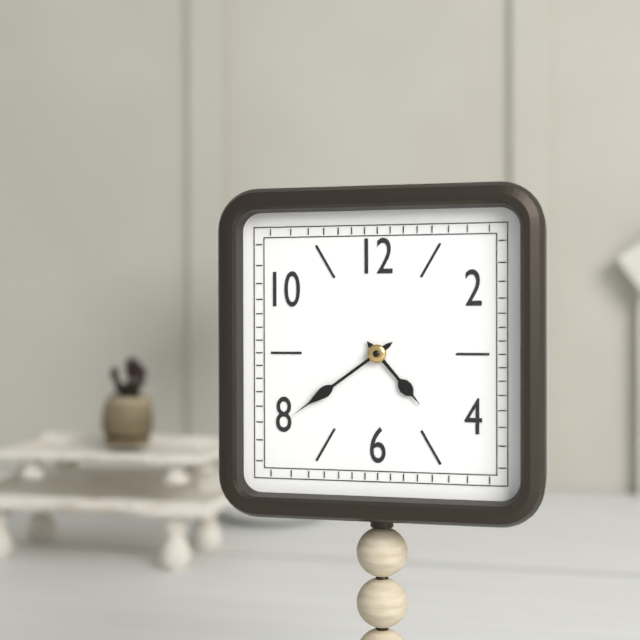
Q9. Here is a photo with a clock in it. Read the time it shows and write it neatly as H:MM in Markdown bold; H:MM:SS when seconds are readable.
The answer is **4:39**
